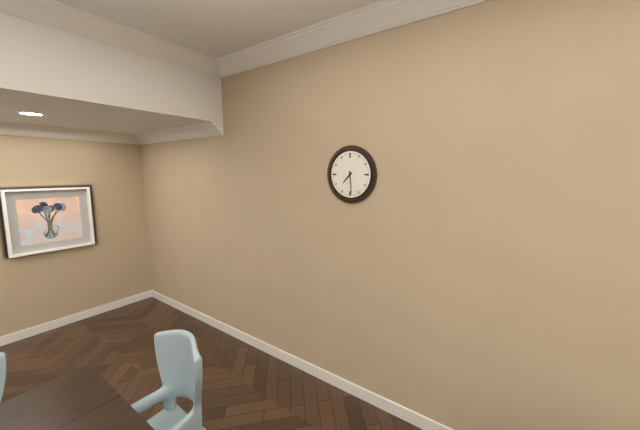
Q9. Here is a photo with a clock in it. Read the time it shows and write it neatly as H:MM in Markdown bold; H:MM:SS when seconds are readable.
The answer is **7:29**
